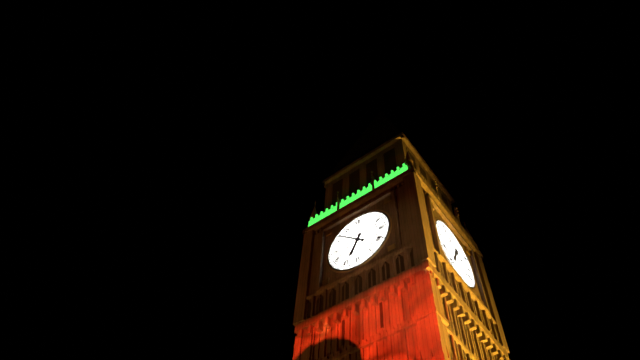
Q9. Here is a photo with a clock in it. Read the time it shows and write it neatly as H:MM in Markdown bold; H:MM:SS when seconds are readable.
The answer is **6:52**
